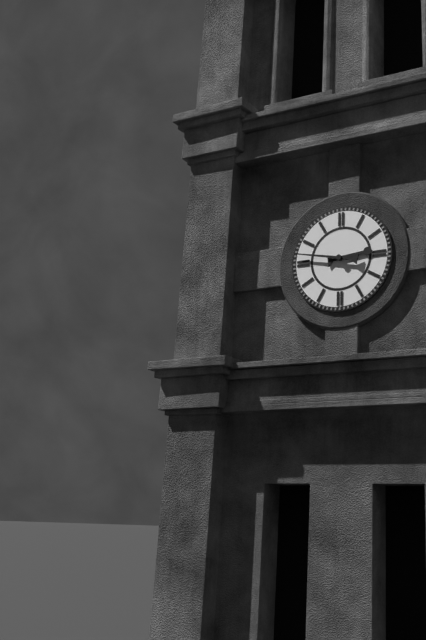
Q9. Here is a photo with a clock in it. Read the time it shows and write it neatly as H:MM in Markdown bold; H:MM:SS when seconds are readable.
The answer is **2:47**
